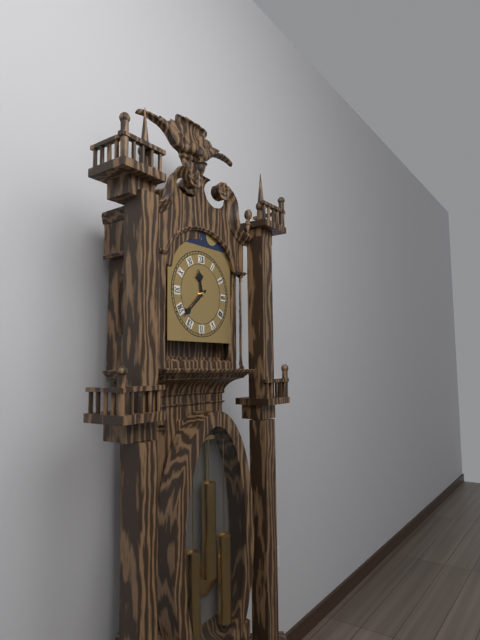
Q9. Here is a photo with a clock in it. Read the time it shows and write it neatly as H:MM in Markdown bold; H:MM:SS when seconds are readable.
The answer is **11:38**
